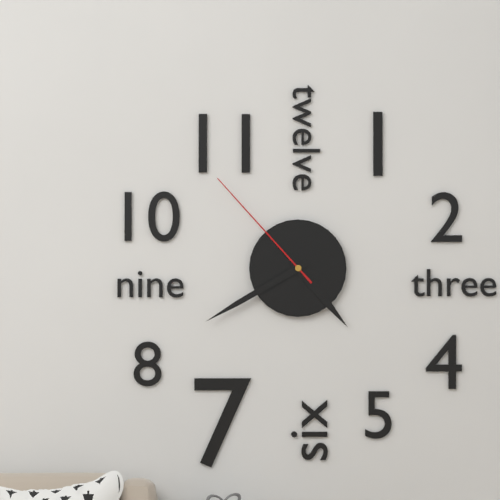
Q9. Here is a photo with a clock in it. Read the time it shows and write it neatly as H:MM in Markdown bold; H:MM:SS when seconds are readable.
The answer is **4:40:53**
